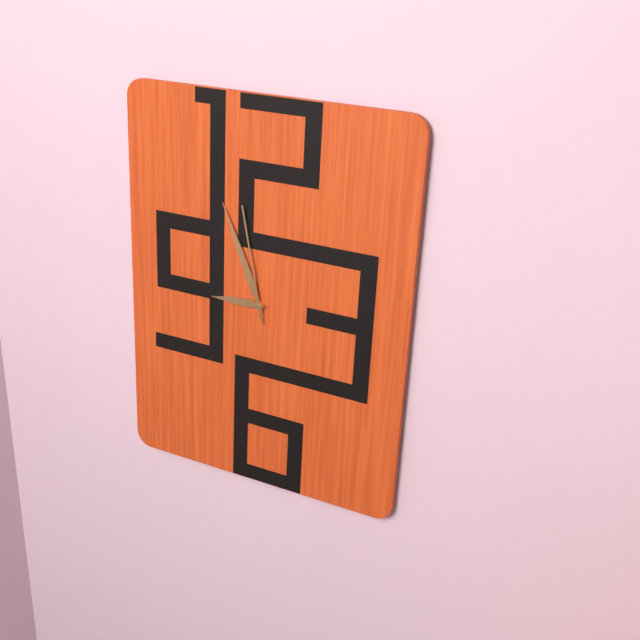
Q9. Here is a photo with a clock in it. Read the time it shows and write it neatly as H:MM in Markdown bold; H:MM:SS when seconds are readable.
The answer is **8:56:58**
